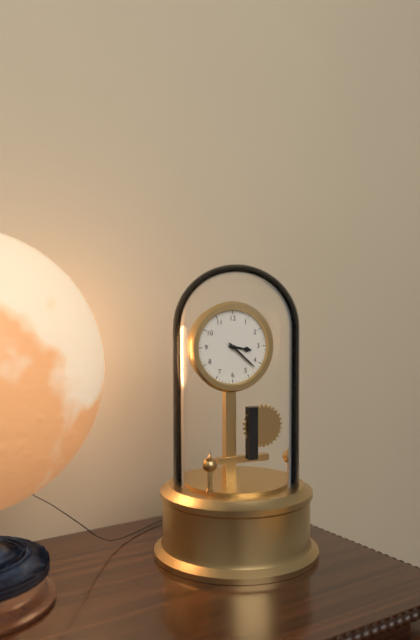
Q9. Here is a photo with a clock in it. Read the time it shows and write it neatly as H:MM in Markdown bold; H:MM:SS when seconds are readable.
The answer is **3:22**
